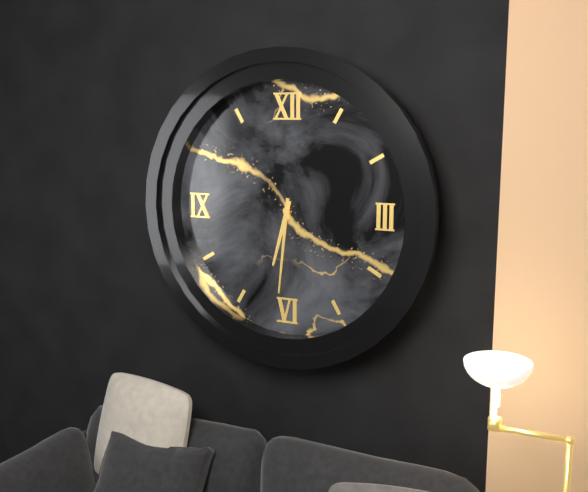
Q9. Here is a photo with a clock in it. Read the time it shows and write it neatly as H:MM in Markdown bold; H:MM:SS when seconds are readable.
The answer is **6:31**
